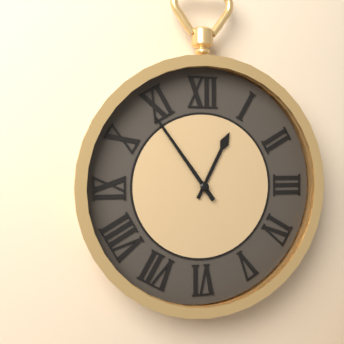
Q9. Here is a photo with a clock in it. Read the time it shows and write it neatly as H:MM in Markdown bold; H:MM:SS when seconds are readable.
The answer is **12:54**
